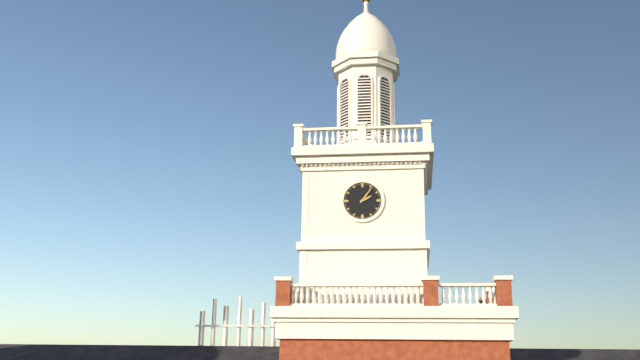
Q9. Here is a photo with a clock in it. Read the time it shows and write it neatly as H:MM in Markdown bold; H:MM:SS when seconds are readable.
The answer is **2:06**
